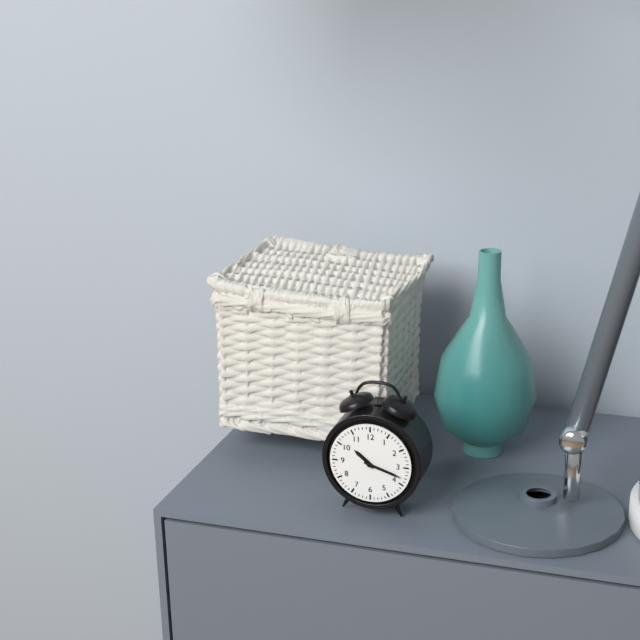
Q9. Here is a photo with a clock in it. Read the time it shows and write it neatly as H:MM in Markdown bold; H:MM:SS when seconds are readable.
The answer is **10:18**
